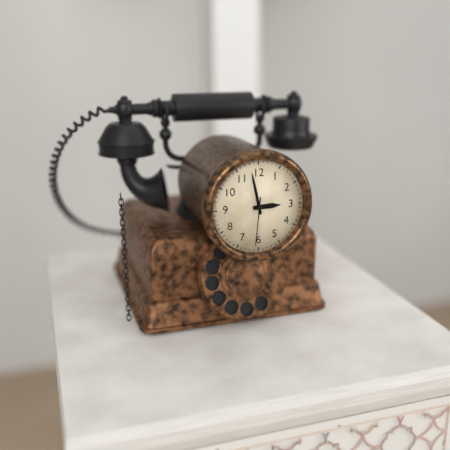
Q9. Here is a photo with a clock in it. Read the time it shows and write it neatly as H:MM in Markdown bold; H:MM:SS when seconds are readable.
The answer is **2:58**
